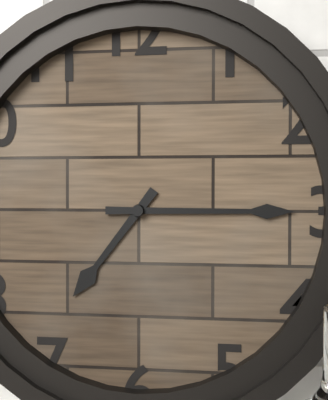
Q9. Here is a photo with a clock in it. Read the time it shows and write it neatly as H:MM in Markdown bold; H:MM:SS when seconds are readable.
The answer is **7:15**
